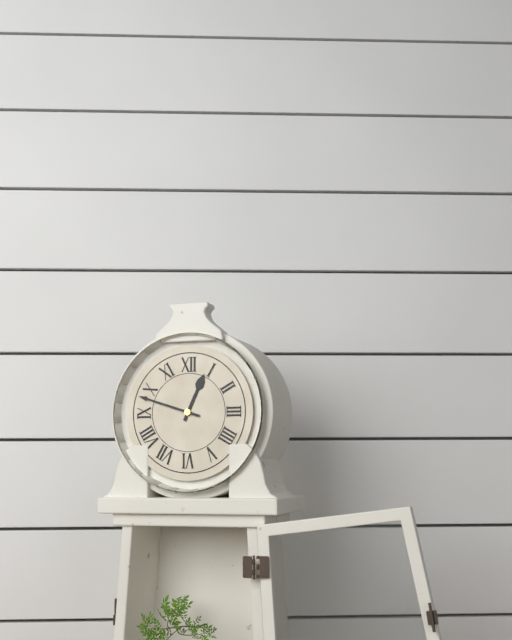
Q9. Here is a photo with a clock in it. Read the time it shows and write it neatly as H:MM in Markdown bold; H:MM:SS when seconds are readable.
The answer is **12:48**
